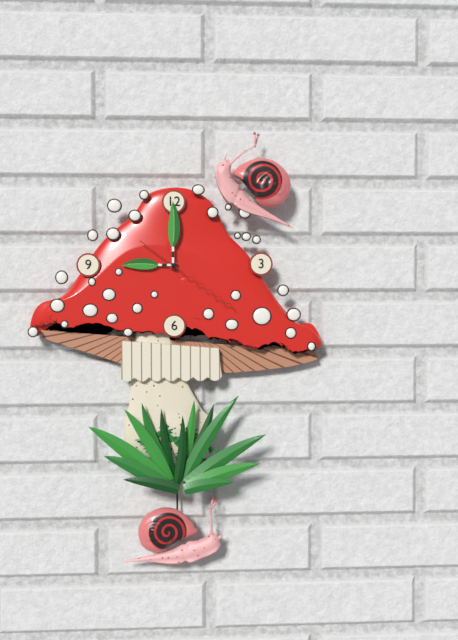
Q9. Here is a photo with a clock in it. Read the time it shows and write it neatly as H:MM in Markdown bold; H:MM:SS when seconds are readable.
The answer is **9:00:21**
